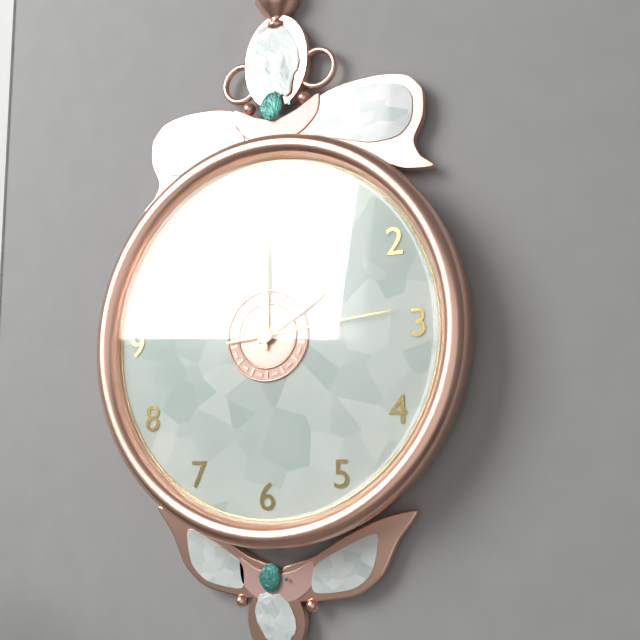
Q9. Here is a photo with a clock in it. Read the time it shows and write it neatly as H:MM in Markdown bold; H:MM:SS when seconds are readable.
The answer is **2:00:14**
